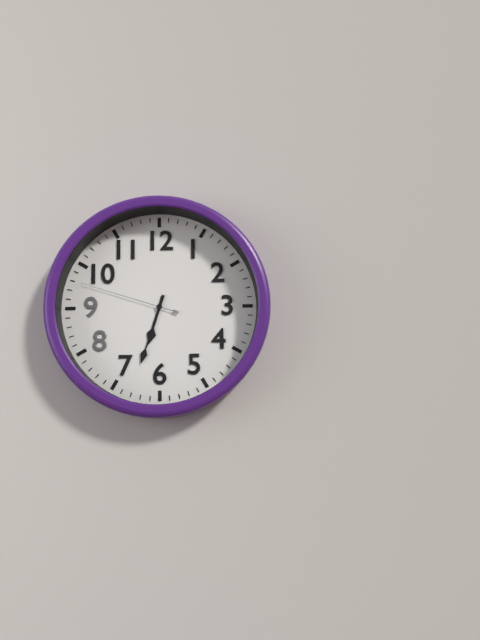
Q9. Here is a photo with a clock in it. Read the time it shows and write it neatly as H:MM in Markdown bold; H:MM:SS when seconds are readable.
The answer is **6:33:48**
